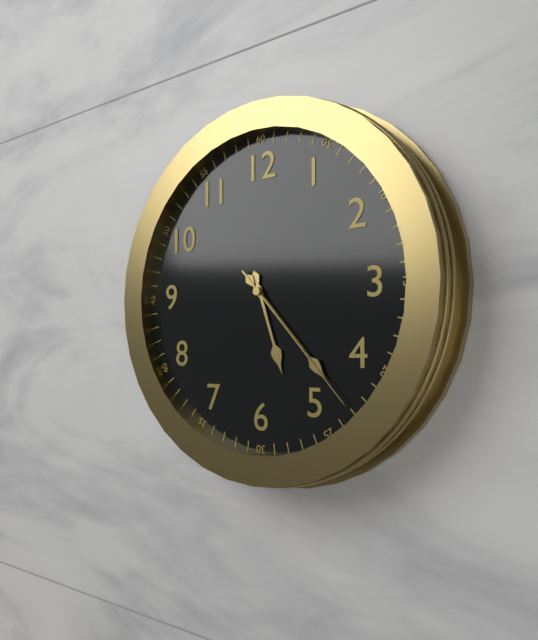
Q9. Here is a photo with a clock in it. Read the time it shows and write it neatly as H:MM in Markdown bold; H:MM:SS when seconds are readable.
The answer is **5:23:23**
